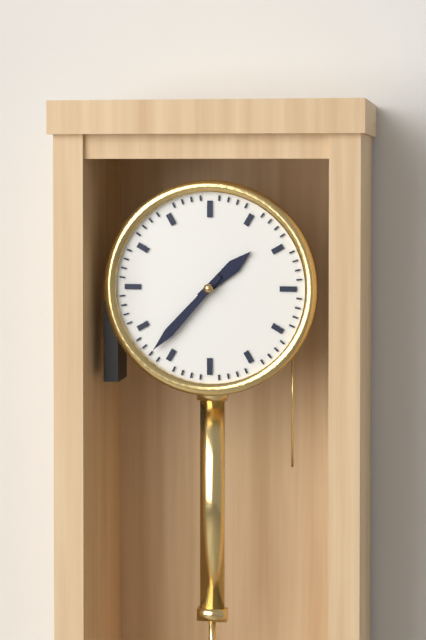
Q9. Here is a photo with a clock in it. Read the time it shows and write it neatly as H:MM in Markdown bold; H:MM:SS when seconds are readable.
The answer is **1:37**
